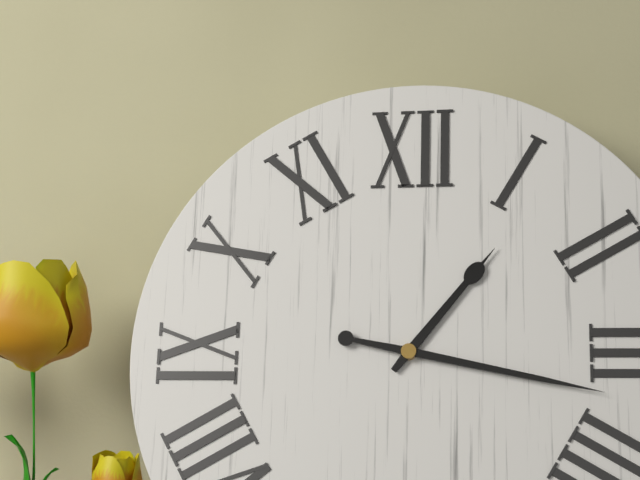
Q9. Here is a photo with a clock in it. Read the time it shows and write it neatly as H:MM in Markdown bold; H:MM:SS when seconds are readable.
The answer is **1:17**
